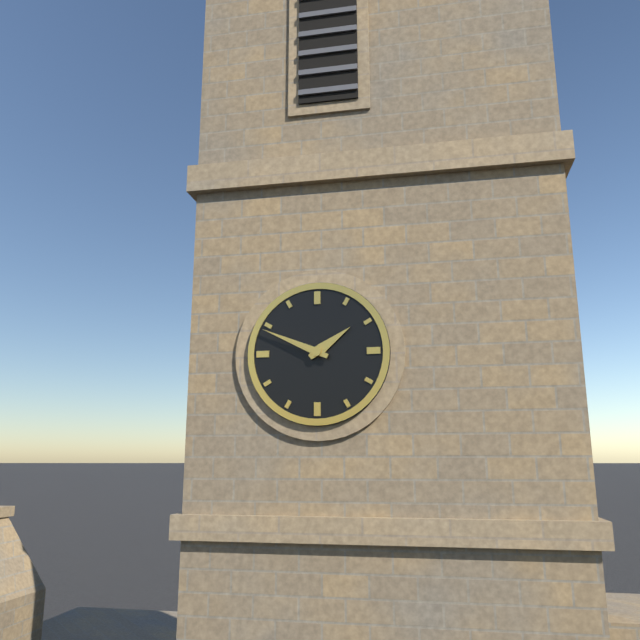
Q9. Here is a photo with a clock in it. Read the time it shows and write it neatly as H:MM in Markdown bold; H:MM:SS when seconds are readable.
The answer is **1:49**
